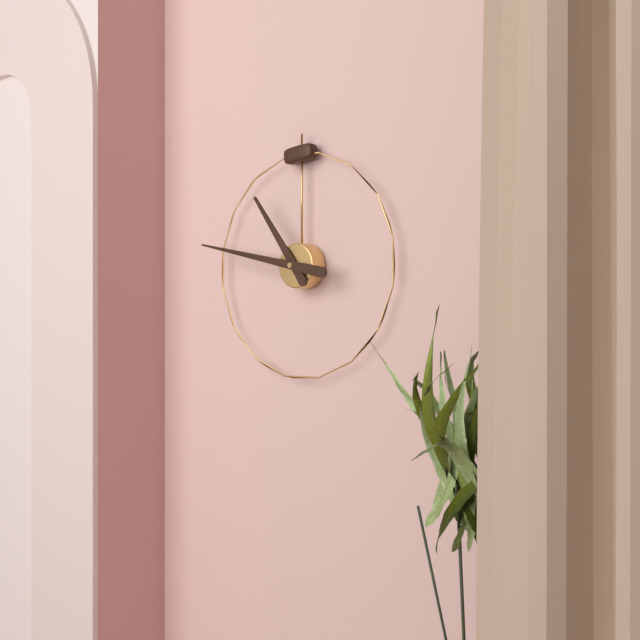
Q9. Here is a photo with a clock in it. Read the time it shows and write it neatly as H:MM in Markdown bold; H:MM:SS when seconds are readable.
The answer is **10:47**
